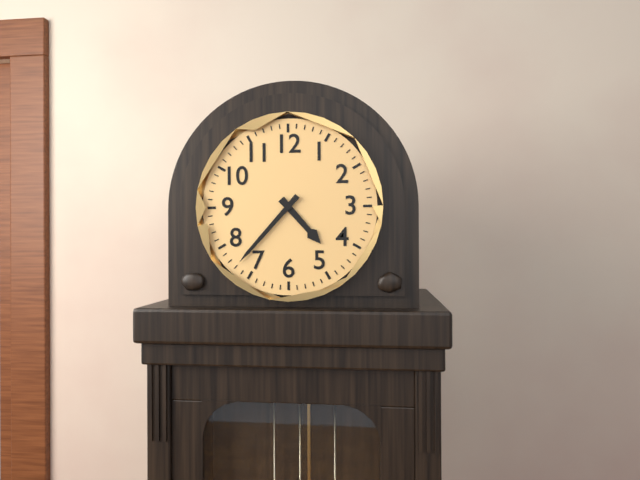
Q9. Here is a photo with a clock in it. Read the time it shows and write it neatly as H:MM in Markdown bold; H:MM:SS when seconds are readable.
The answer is **4:37**
